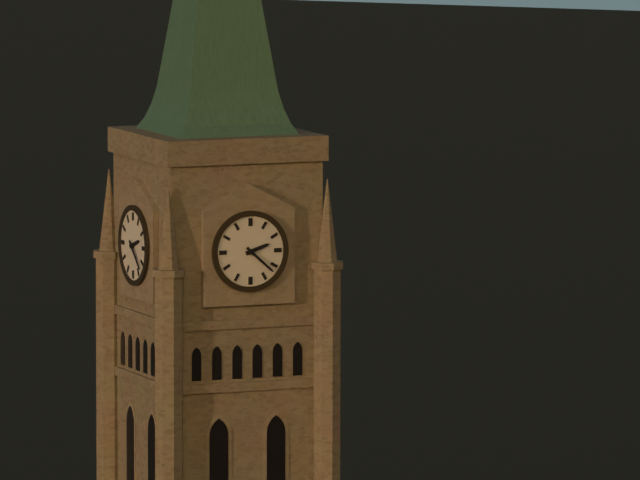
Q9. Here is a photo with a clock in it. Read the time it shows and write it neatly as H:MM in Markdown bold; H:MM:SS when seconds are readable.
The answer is **2:22**
